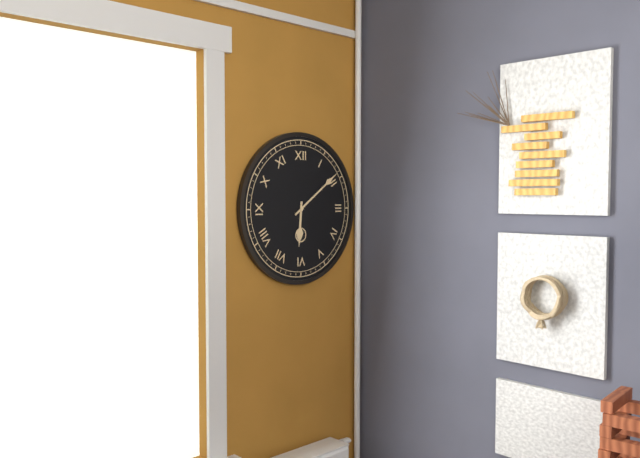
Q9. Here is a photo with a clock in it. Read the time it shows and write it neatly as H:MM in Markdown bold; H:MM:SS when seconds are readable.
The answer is **6:09**
